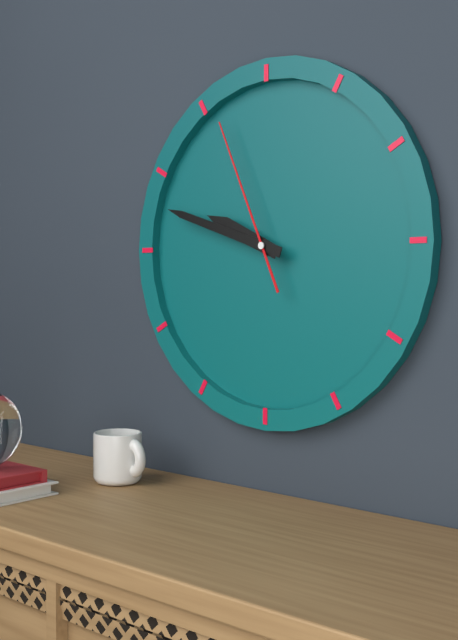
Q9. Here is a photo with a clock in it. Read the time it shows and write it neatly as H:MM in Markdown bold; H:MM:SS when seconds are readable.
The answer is **9:48:56**
